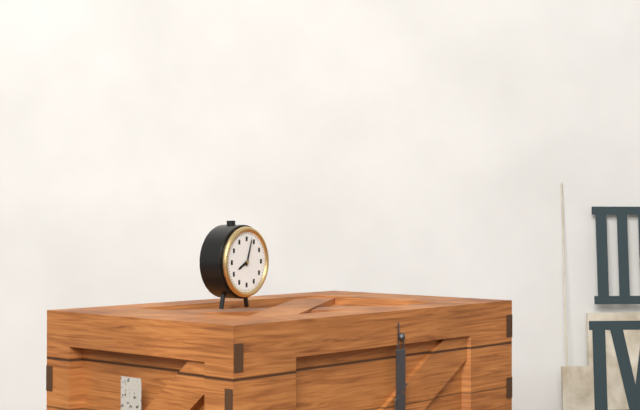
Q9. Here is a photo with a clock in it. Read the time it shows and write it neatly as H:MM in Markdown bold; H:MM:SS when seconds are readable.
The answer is **8:03**
